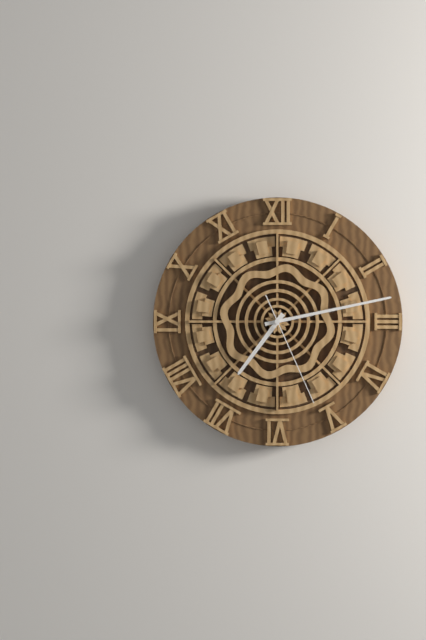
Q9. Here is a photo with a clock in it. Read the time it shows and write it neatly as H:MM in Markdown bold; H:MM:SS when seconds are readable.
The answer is **7:13:26**
